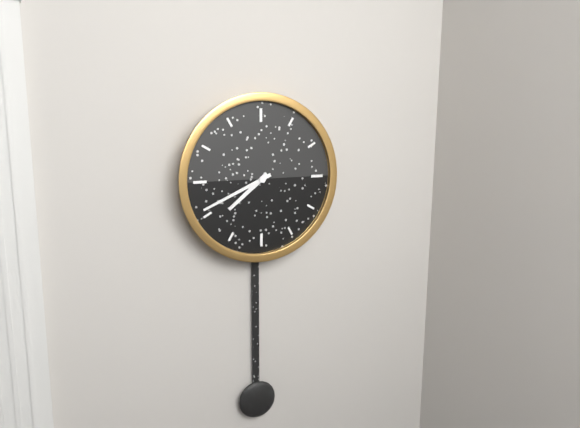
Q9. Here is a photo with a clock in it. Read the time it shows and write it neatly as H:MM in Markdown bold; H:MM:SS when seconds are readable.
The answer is **7:41**
